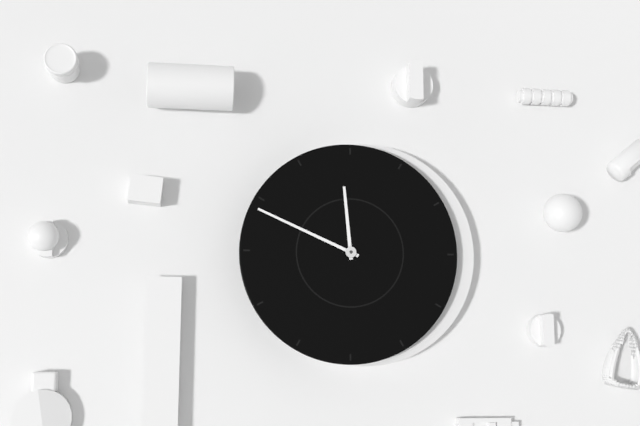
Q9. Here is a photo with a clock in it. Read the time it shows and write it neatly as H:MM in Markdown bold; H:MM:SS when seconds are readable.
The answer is **11:49**
